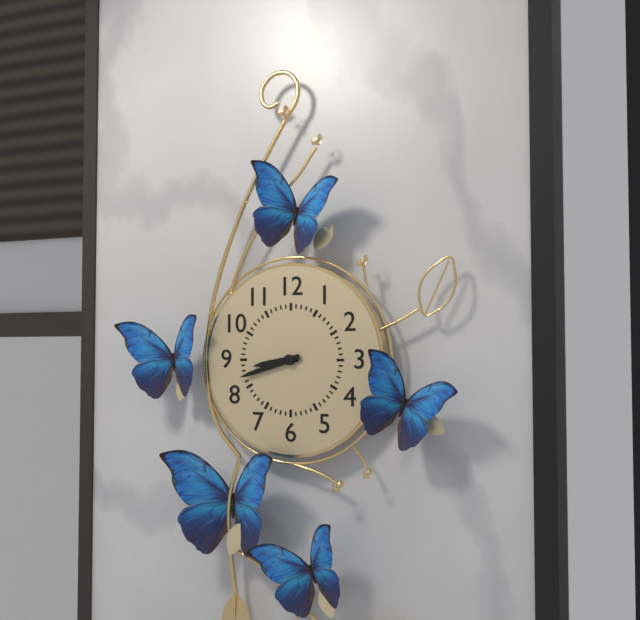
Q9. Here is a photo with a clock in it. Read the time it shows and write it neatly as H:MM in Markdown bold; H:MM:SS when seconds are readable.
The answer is **8:42**
